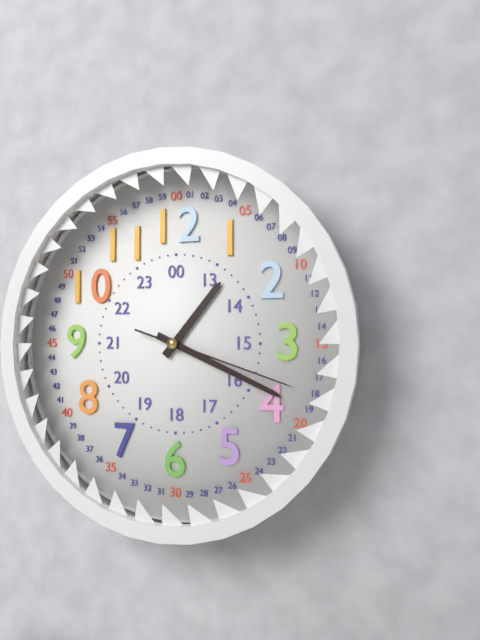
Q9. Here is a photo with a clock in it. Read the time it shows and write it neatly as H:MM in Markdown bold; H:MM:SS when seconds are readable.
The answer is **1:19:18**
